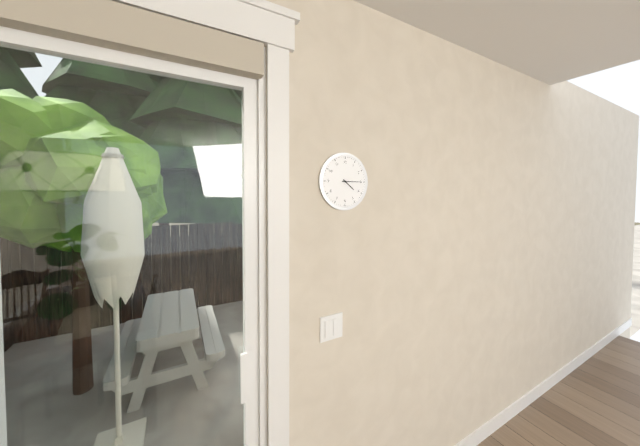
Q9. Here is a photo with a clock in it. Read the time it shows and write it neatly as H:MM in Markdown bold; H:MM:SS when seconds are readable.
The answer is **4:15**
